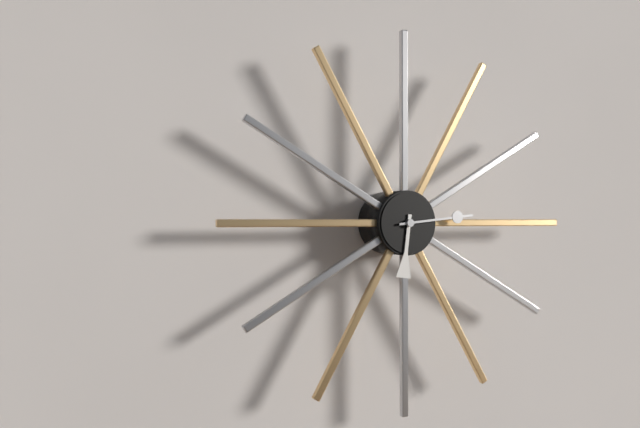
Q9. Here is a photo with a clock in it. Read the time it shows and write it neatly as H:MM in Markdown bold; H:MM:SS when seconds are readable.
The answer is **6:14**
